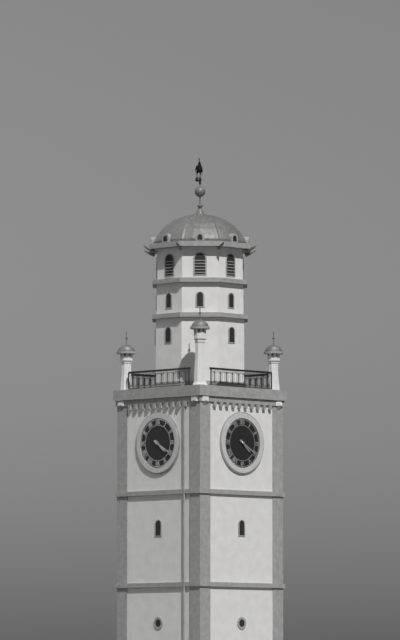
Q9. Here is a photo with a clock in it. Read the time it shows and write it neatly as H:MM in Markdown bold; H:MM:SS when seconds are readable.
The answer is **4:20**
